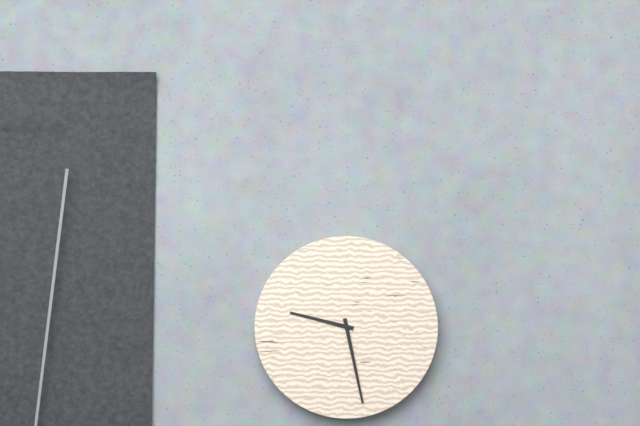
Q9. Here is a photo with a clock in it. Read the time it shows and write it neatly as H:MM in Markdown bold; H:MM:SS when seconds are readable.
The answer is **9:28**
